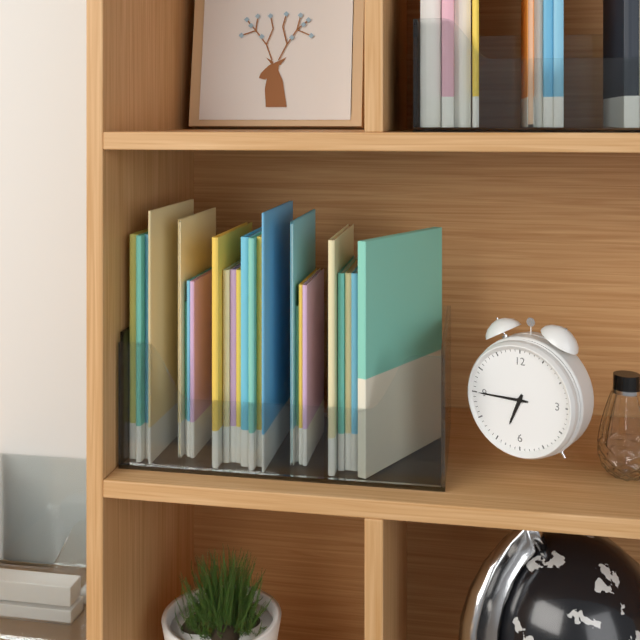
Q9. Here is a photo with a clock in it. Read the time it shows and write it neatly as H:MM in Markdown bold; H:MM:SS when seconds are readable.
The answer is **6:45**
